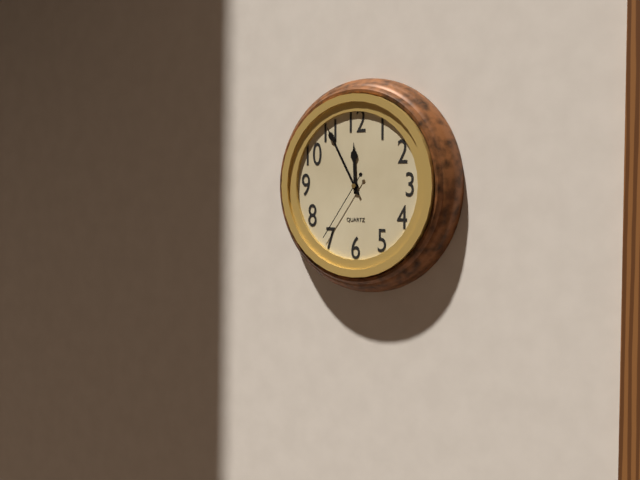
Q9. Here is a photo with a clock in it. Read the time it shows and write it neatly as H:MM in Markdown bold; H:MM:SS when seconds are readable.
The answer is **11:55:36**
